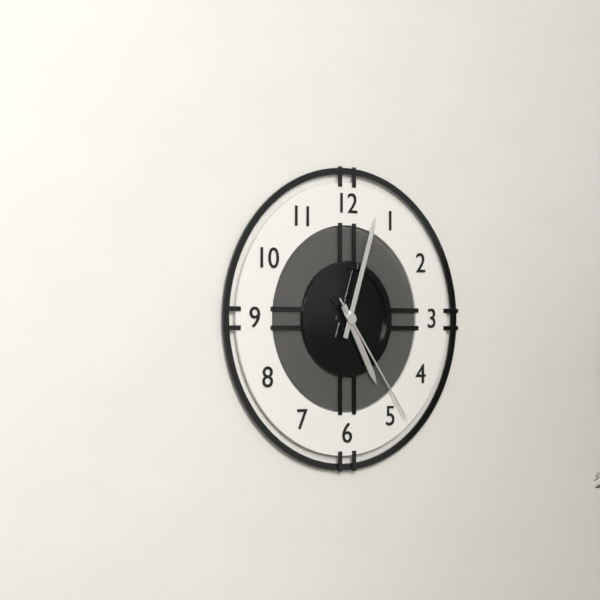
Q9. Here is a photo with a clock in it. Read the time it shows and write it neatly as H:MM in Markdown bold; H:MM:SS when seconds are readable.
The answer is **5:03:24**
